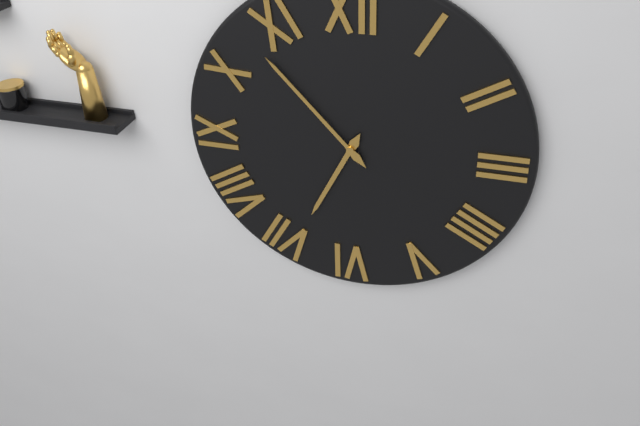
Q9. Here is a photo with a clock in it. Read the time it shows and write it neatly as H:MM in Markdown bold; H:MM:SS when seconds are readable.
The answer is **6:53**
